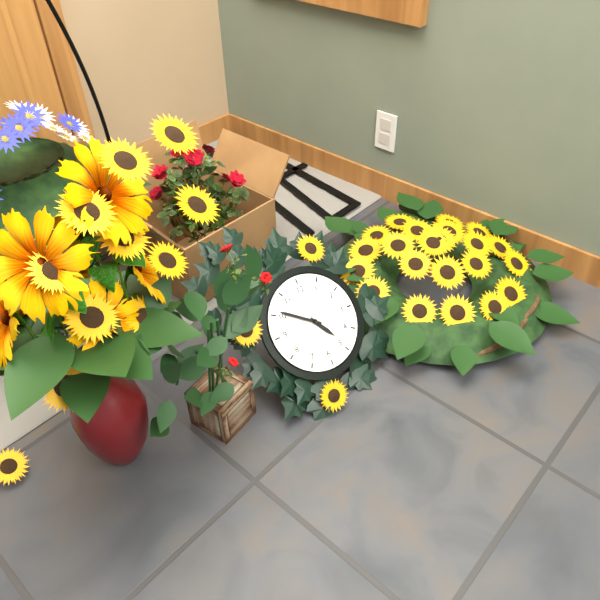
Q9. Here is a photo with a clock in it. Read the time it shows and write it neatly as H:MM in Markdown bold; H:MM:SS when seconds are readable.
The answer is **4:51**
